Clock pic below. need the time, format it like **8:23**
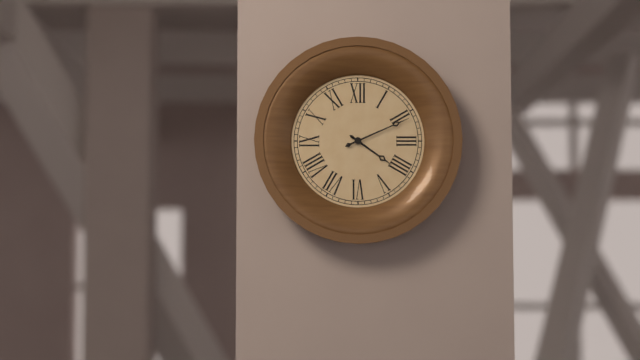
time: **4:11**
